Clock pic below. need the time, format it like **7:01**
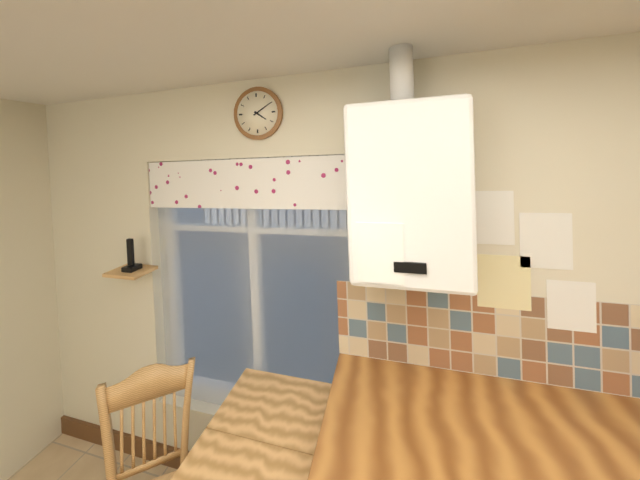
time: **4:10**
